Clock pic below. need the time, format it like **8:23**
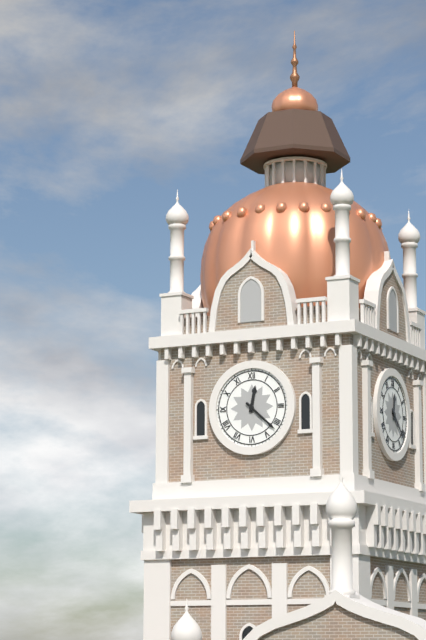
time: **12:22**
